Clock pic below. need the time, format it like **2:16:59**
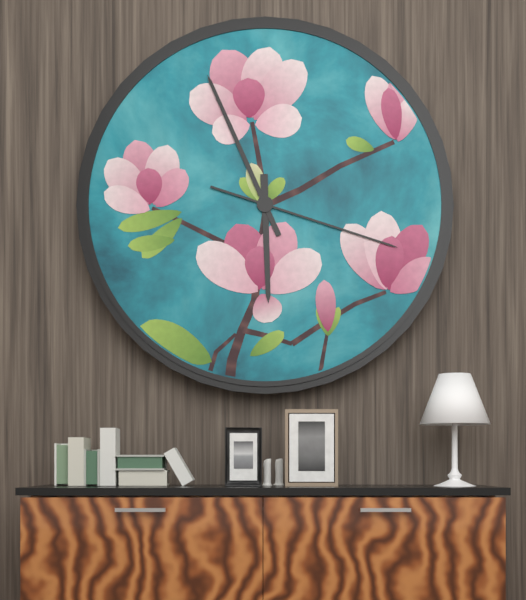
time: **5:56:18**
